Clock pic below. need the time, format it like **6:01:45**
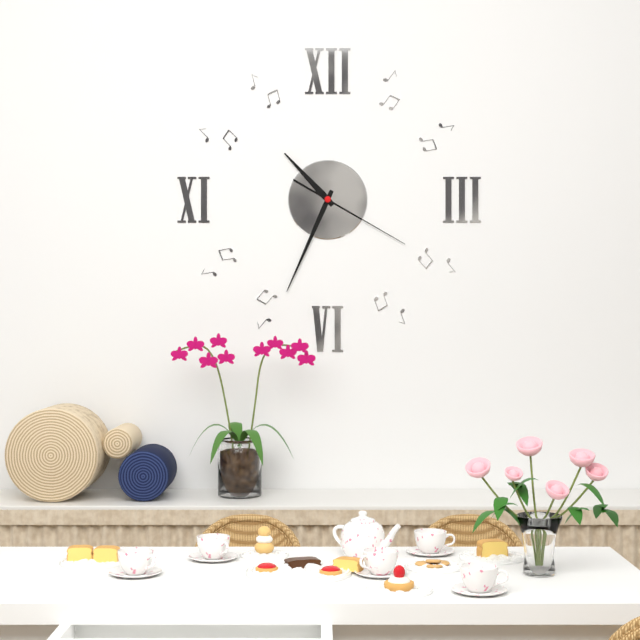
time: **10:34:20**
